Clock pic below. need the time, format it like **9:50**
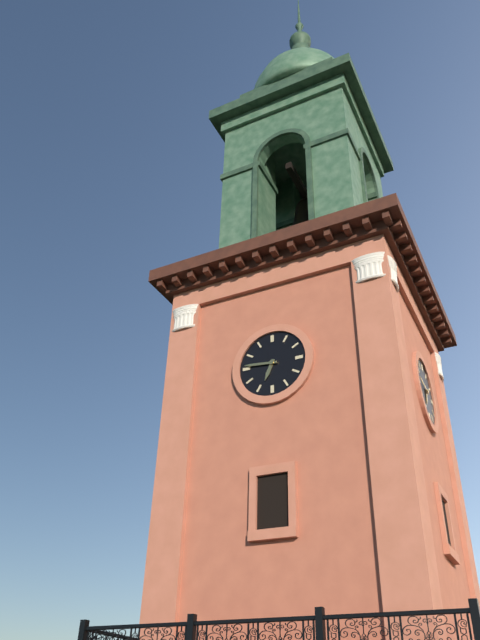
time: **6:46**
